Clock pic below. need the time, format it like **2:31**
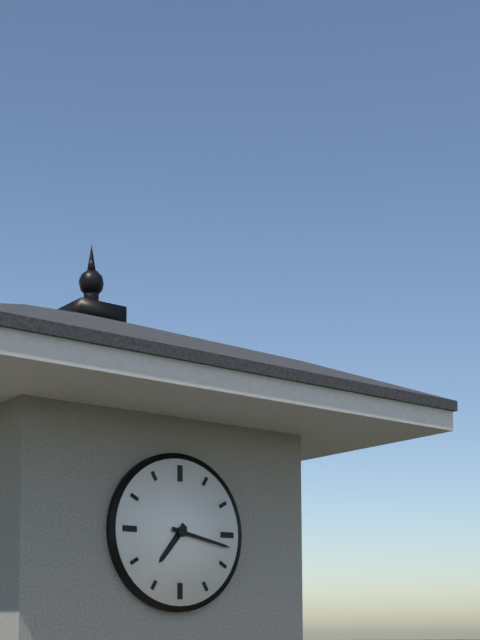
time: **7:17**
